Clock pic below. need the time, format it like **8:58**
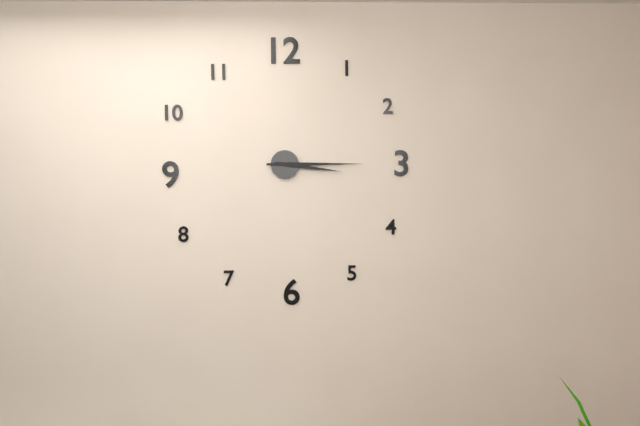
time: **3:15**
